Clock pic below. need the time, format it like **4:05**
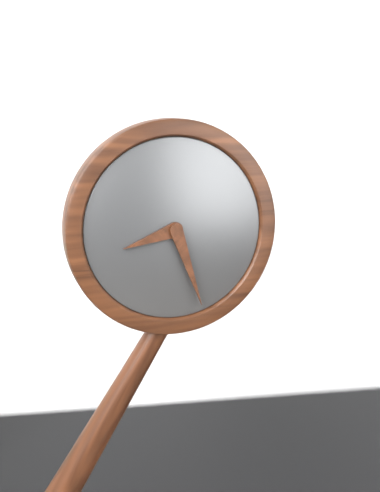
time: **8:27**
